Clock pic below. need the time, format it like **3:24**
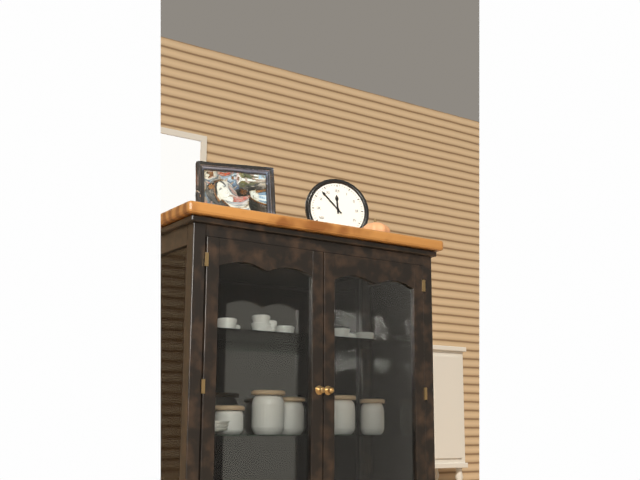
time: **11:53**
